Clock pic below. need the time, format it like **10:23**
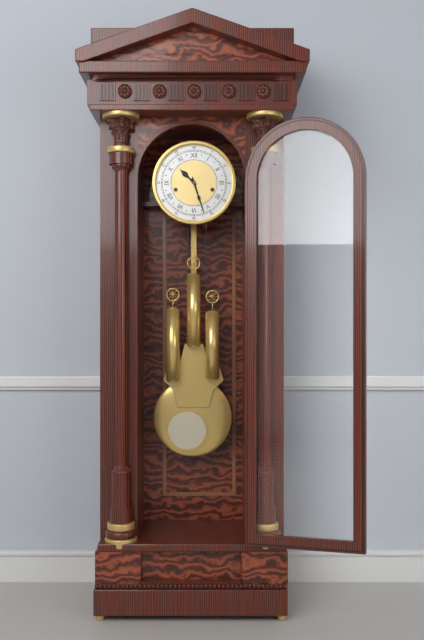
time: **10:27**
